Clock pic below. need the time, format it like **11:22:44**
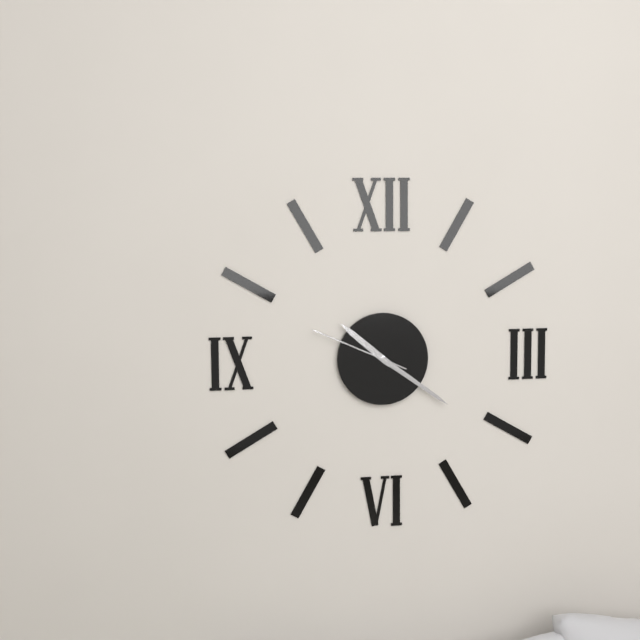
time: **10:21:49**
